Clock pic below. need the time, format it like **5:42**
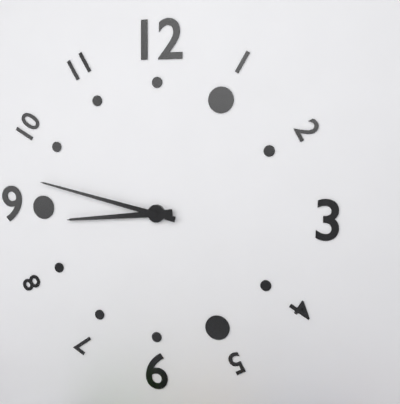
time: **8:47**
